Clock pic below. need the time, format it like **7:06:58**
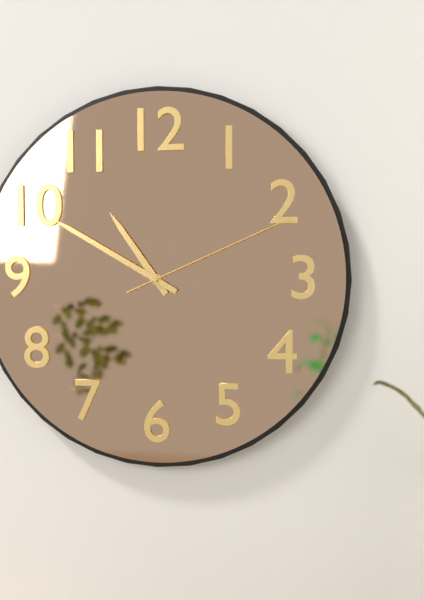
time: **10:50:11**
